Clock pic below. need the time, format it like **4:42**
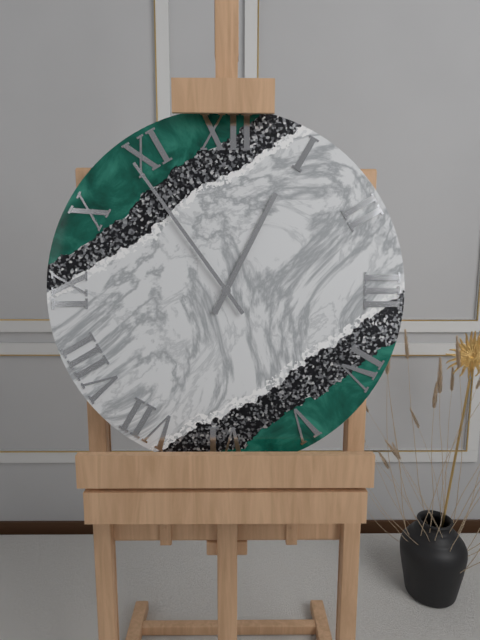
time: **12:54**
